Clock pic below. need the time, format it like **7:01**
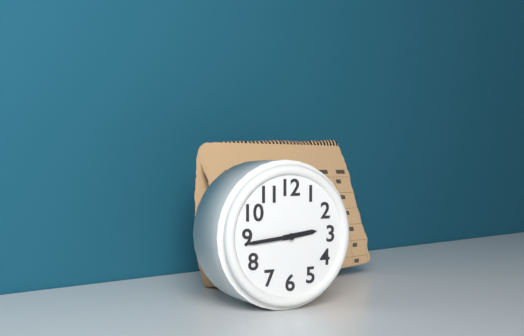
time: **2:44**
